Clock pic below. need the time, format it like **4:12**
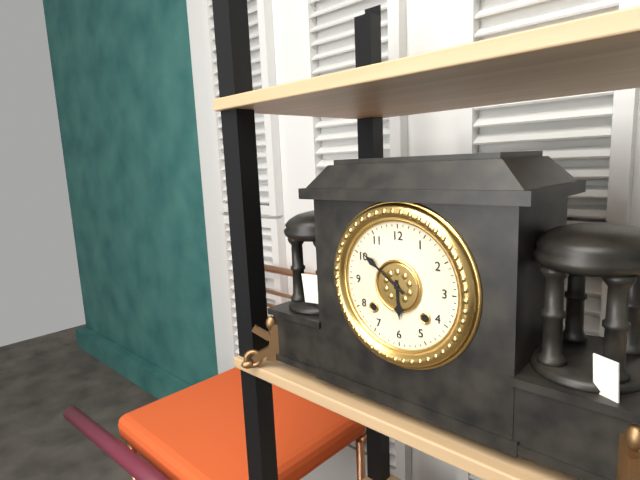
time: **5:51**
